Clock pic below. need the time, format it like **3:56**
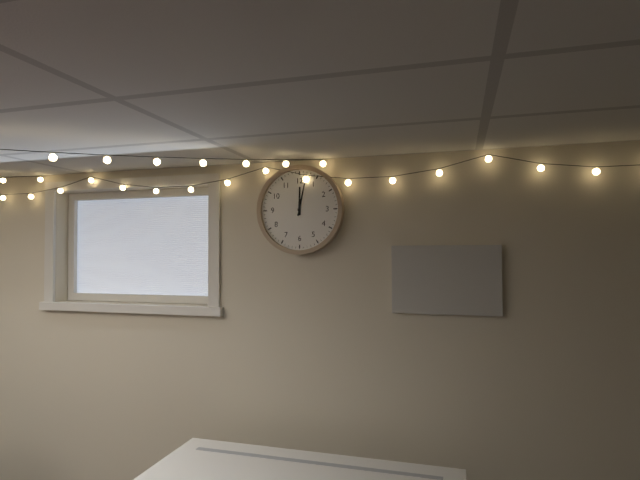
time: **12:02**
